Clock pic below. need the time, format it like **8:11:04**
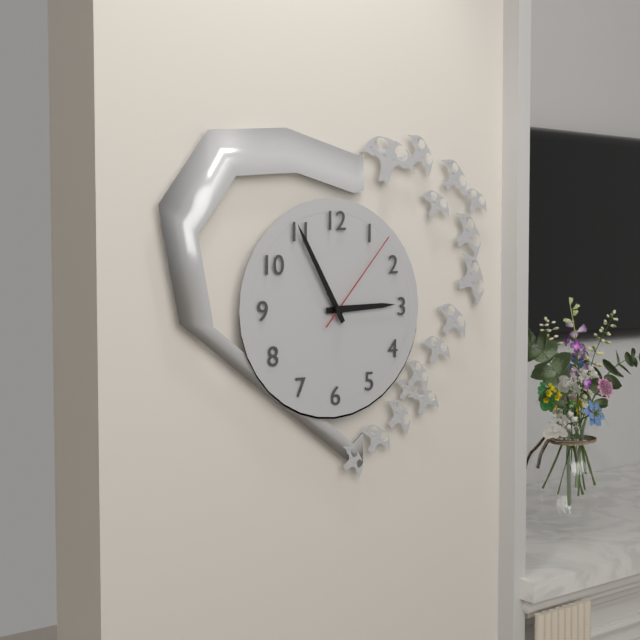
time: **2:55:07**
